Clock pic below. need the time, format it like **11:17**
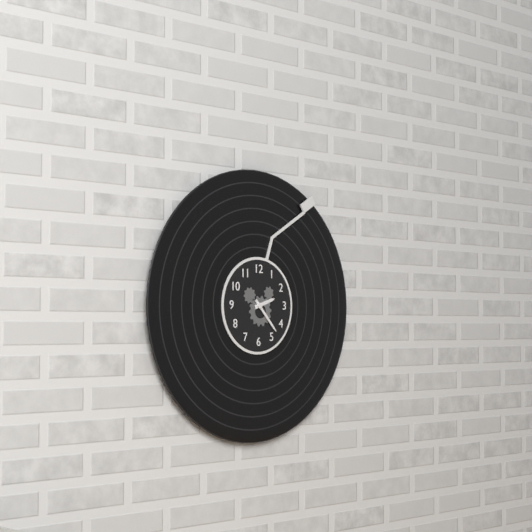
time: **2:23**
